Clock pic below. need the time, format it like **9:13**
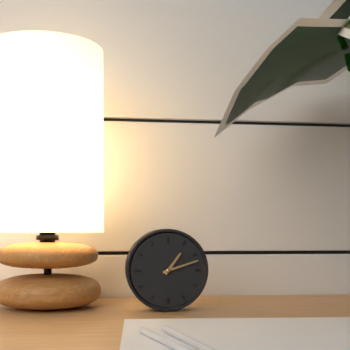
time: **1:12**
